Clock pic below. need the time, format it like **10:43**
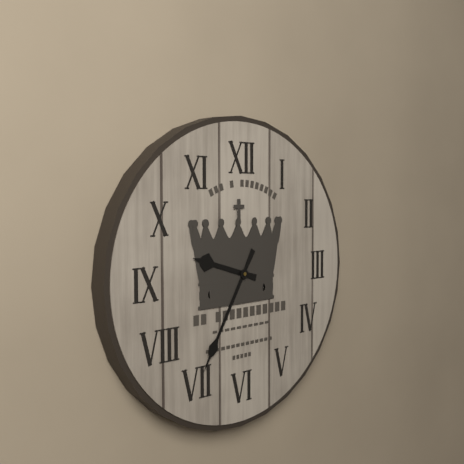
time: **9:35**
